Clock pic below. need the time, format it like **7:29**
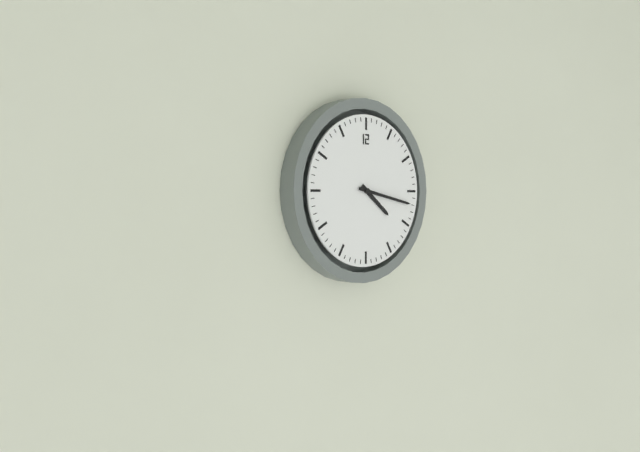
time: **4:17**
